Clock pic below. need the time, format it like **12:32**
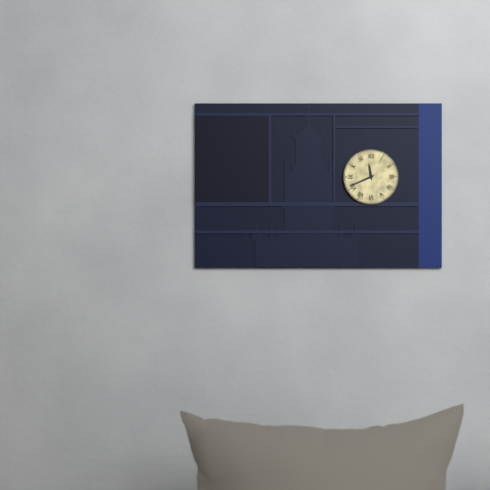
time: **11:41**
